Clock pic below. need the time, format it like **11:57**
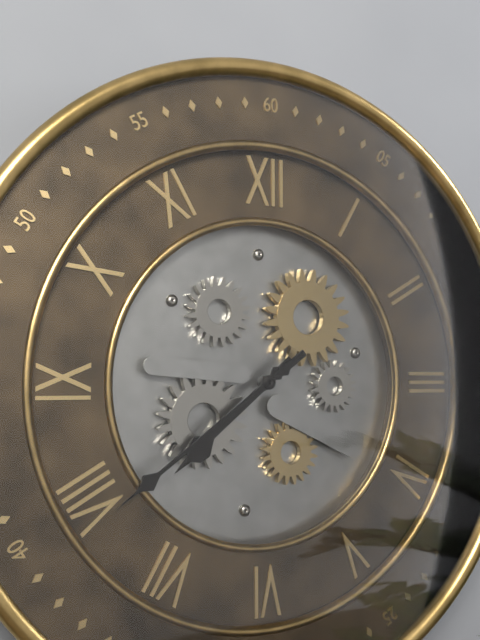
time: **7:39**
